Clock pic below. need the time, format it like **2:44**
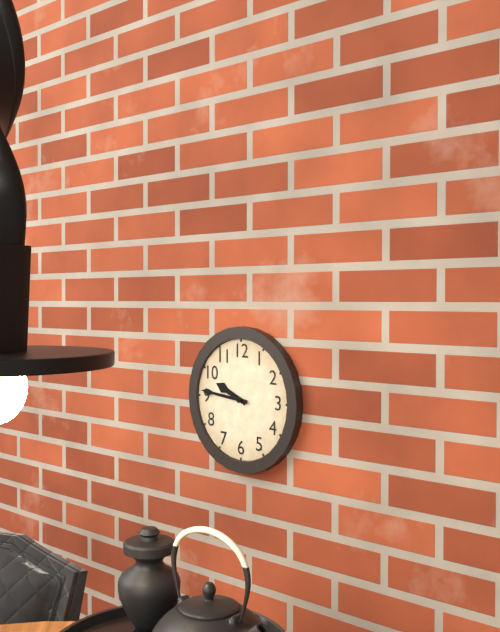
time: **9:46**
